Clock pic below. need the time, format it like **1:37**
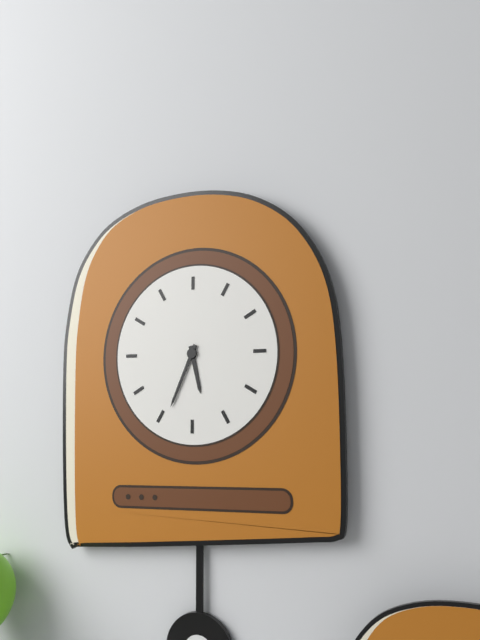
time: **5:34**
